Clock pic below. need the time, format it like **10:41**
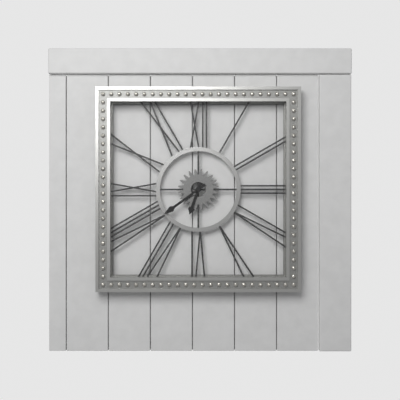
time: **6:39**
